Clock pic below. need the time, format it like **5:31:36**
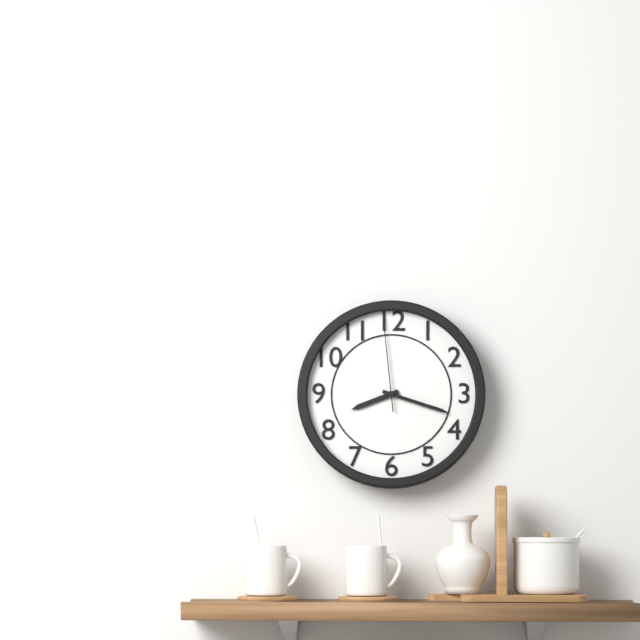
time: **8:18:59**
